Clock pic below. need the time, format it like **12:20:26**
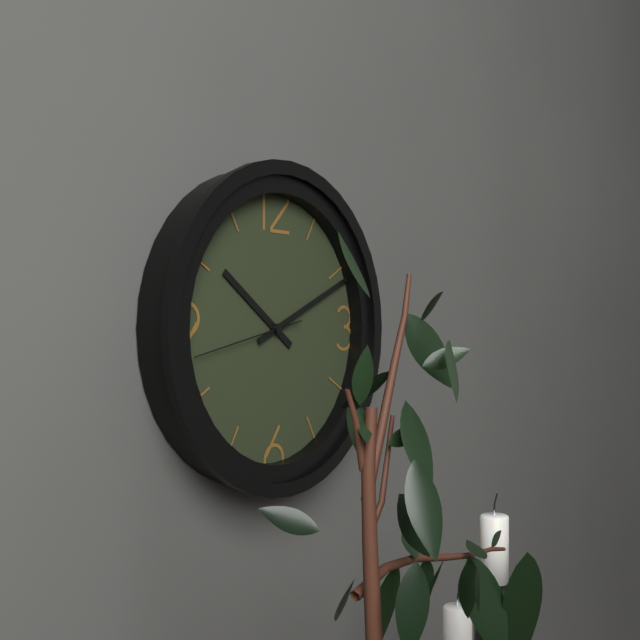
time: **10:11:43**
